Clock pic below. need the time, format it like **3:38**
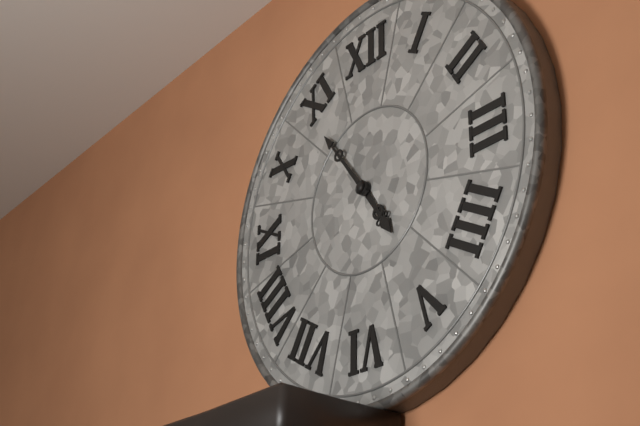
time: **4:54**
